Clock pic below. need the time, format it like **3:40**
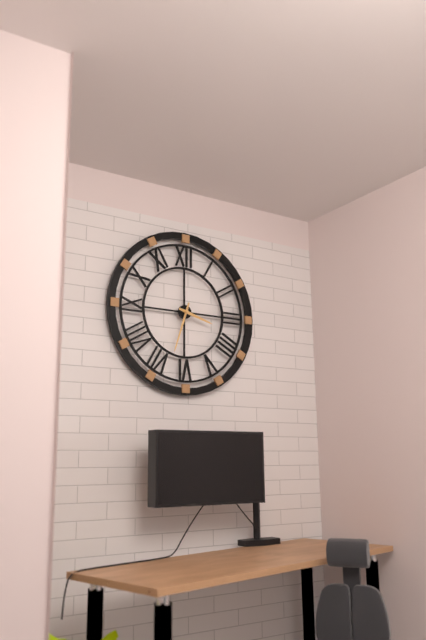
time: **3:33**
